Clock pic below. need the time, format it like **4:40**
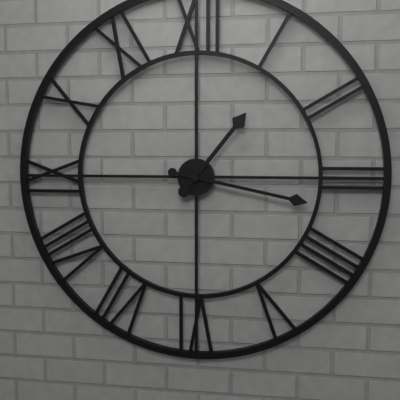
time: **1:17**
